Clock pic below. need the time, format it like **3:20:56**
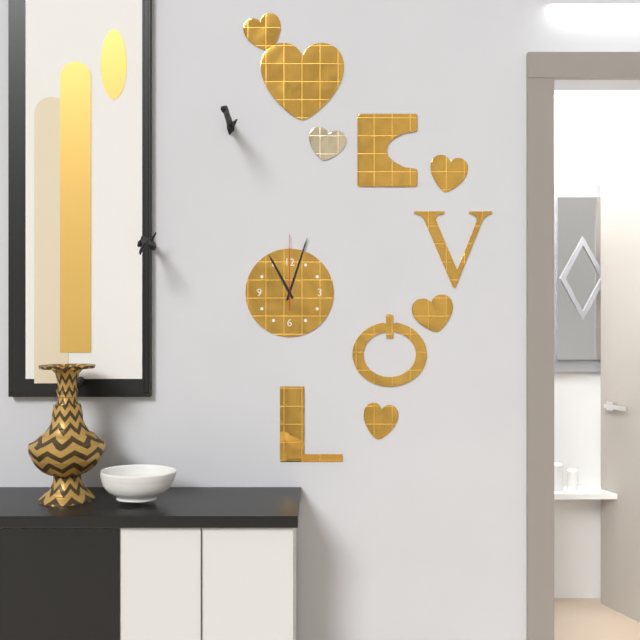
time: **11:03:00**
